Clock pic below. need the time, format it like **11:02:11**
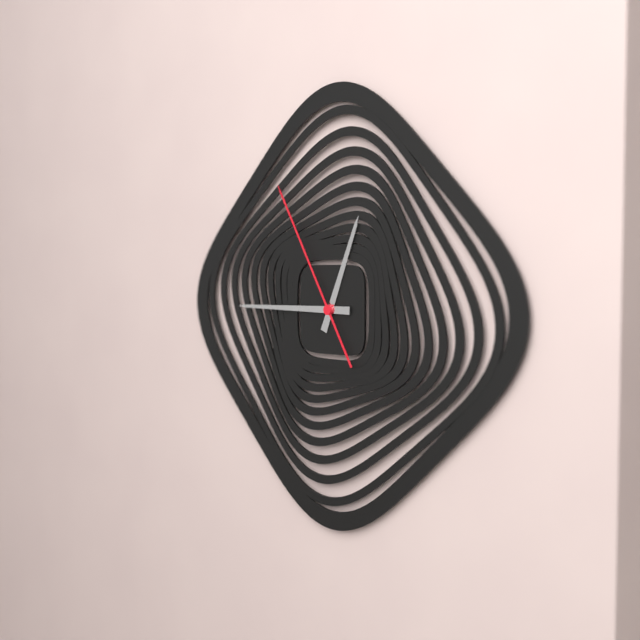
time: **12:45:55**
